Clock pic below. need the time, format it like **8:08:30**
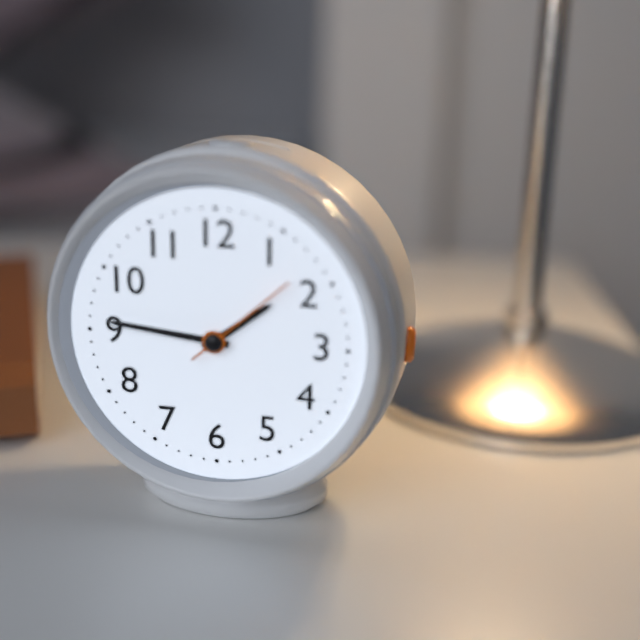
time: **1:46:08**
